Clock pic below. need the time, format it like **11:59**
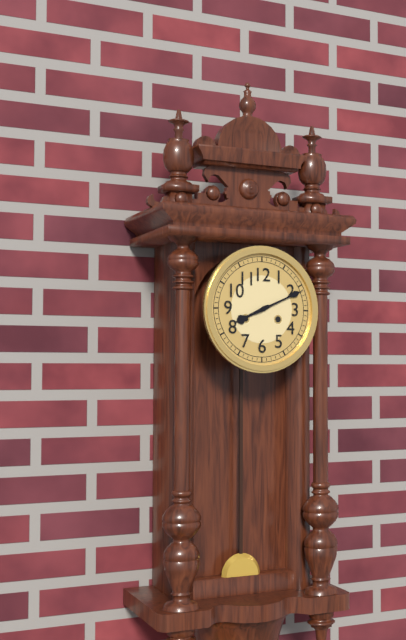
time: **8:11**
